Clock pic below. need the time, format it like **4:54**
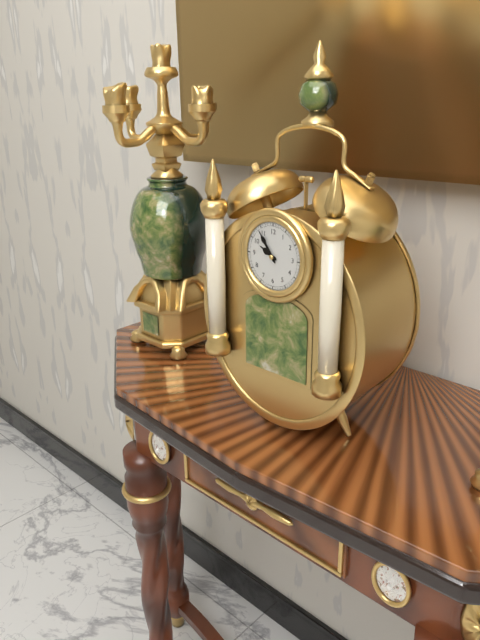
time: **9:54**
